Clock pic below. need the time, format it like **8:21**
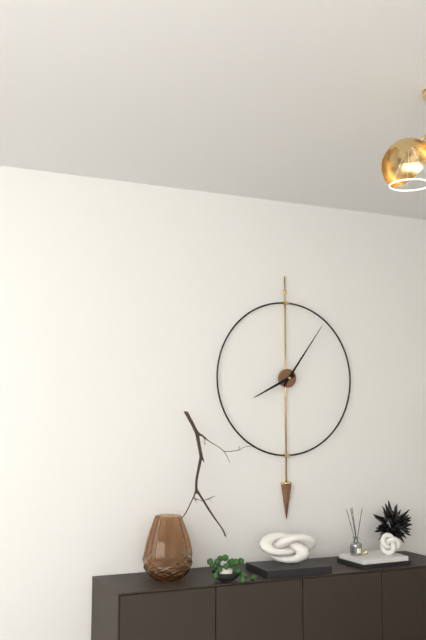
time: **8:06**
